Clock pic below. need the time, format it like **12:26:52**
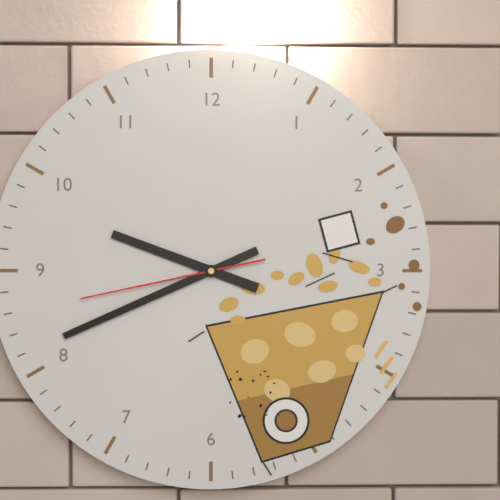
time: **9:41:43**
